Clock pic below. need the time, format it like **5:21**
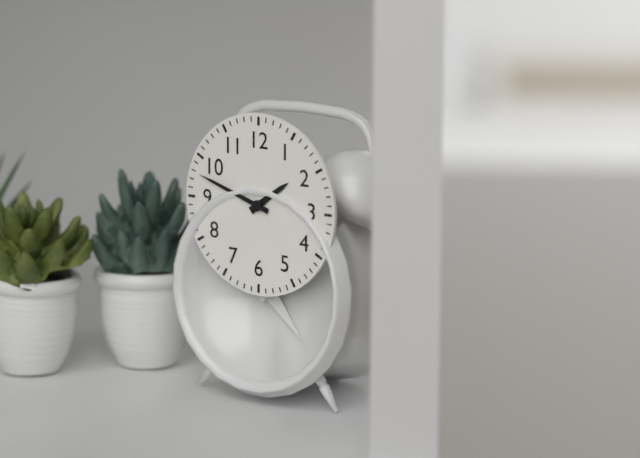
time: **1:48**
